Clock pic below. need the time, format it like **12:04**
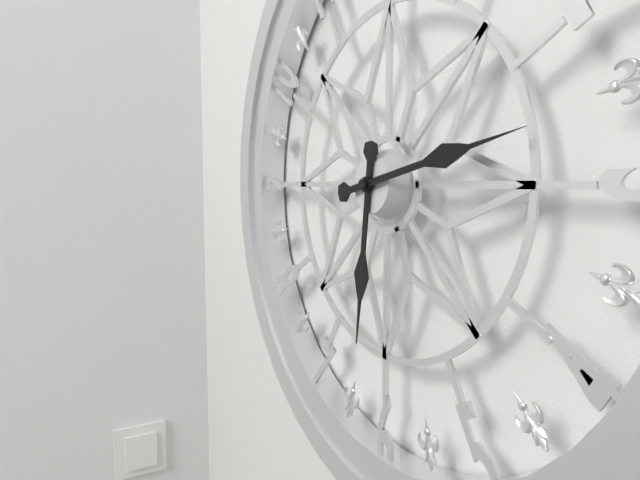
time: **6:13**
